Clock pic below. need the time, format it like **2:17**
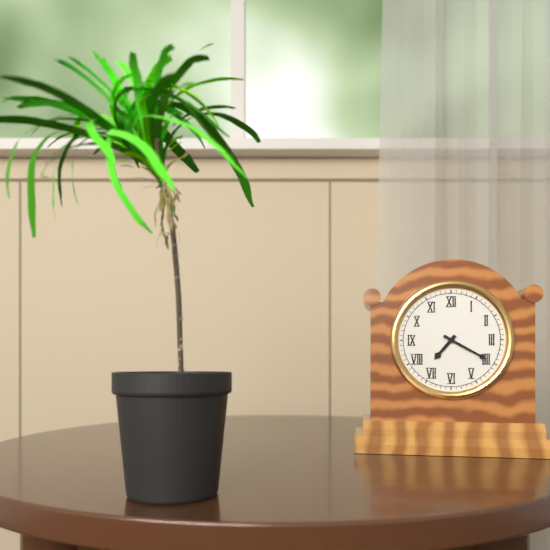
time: **7:20**
